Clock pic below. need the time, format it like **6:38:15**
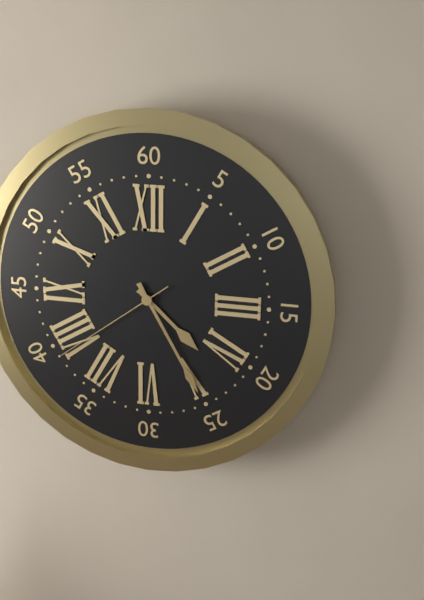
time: **4:25:39**
